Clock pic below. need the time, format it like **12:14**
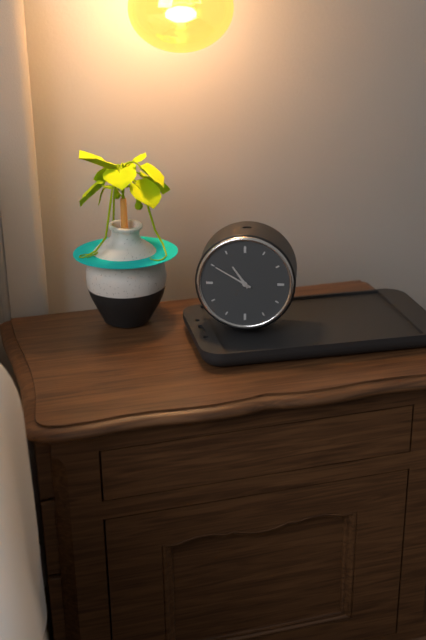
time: **10:50**
